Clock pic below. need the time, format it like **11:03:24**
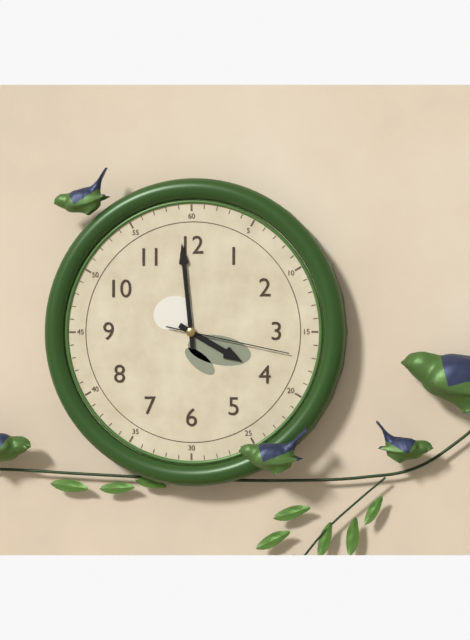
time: **3:59:17**
